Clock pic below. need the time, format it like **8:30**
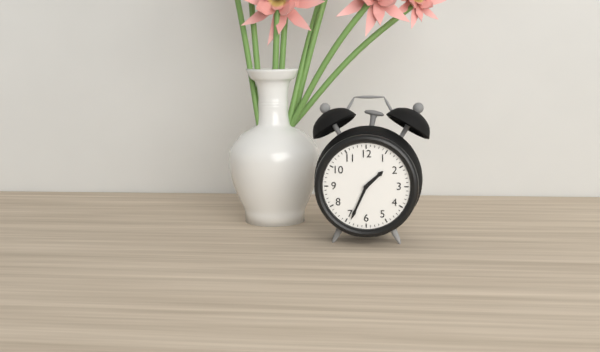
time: **1:34**
